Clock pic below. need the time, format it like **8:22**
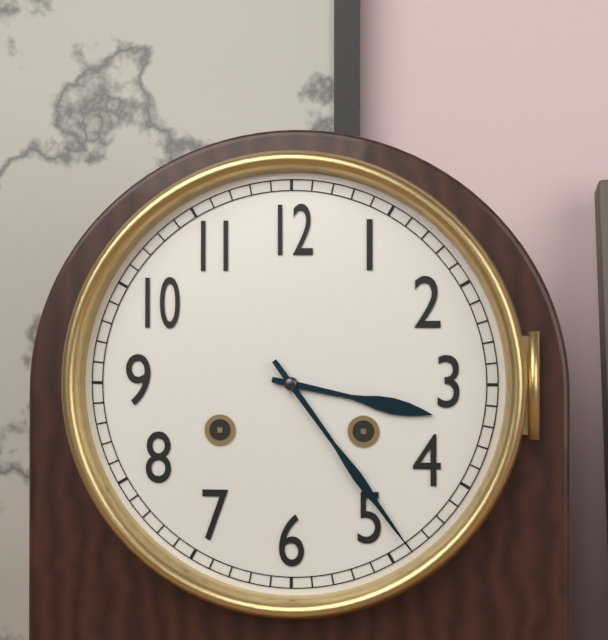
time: **3:24**
